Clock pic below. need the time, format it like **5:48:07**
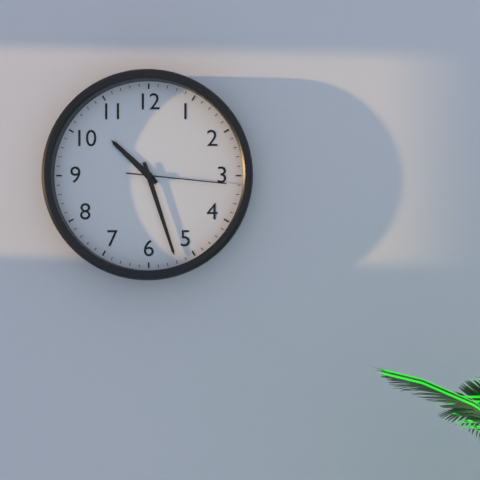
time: **10:27:16**
